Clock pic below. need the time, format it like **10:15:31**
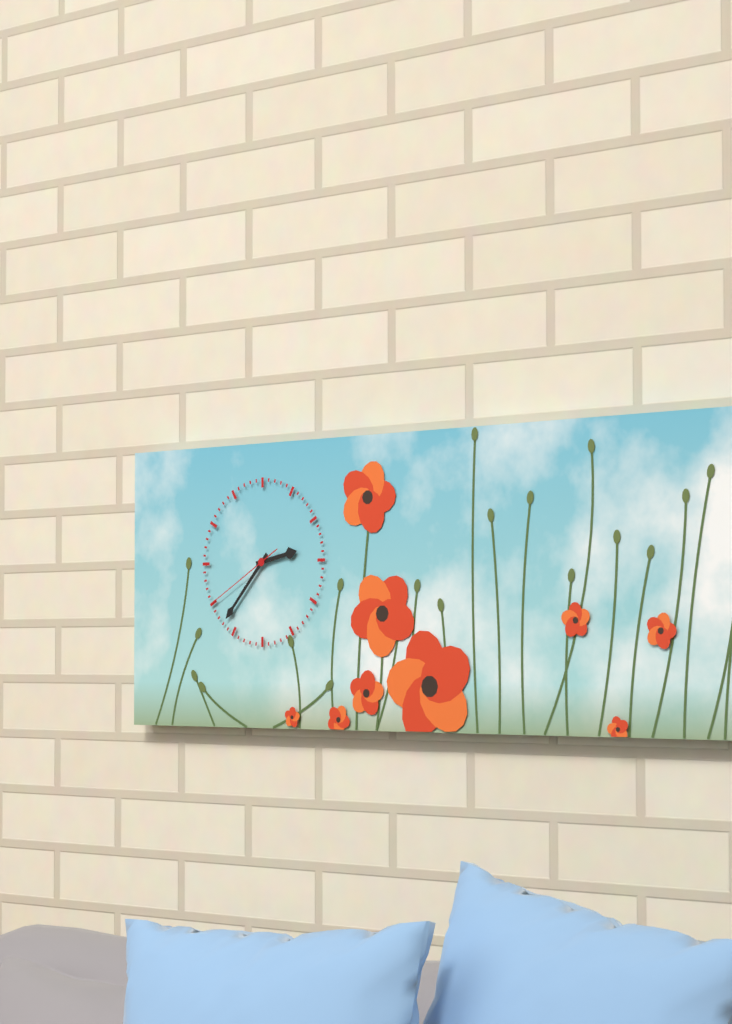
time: **2:37:40**
